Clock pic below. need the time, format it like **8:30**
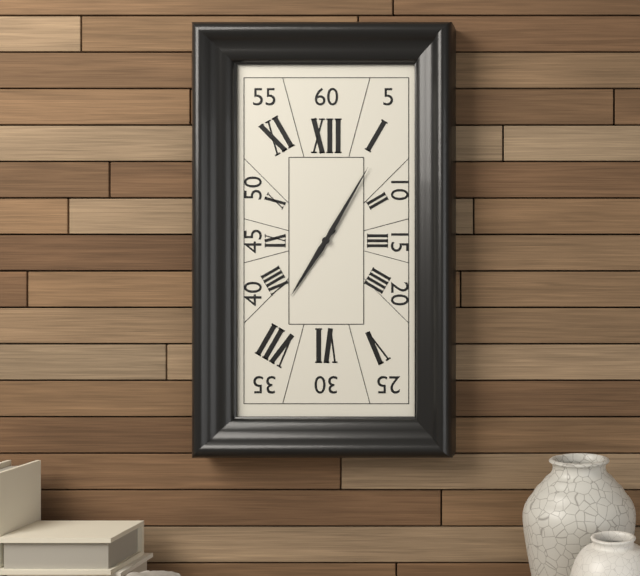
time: **7:05**
